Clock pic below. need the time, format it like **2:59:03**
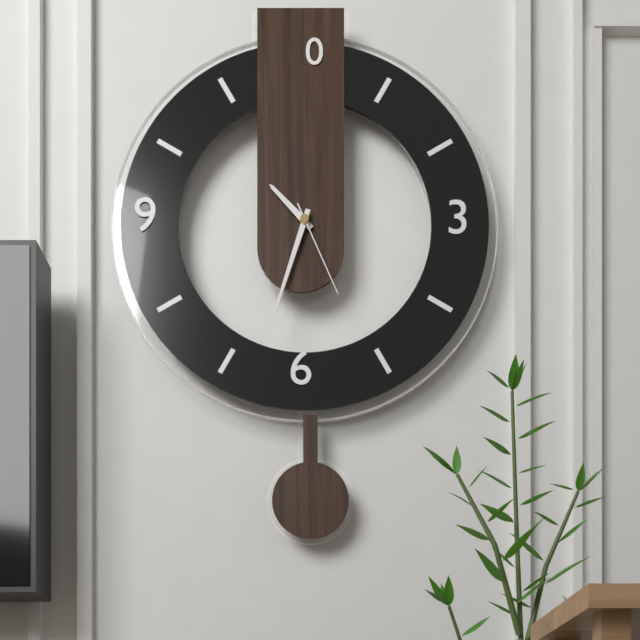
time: **10:33:26**
